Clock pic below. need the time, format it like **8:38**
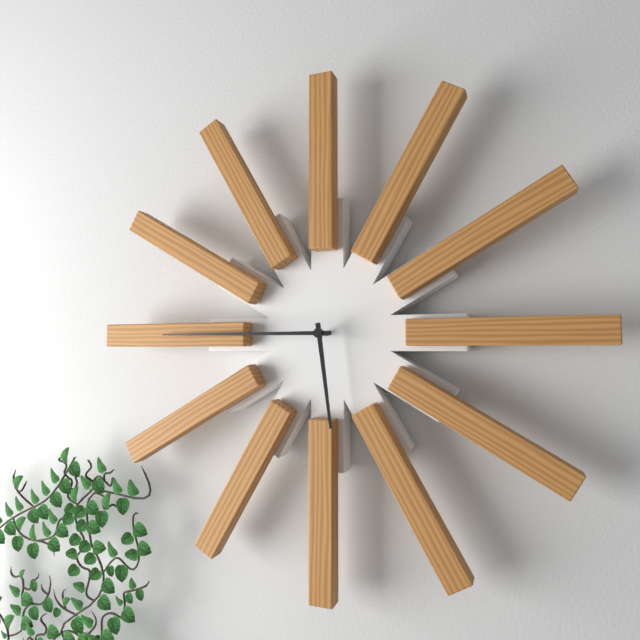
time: **5:45**
